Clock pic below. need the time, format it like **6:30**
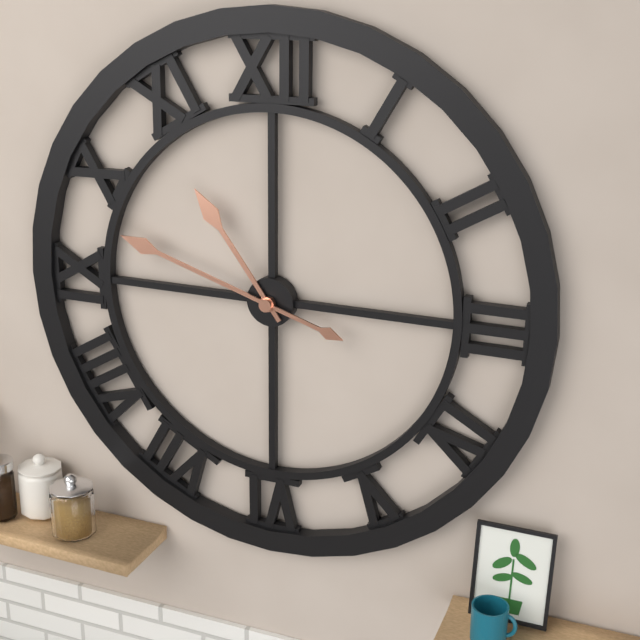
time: **10:48**
